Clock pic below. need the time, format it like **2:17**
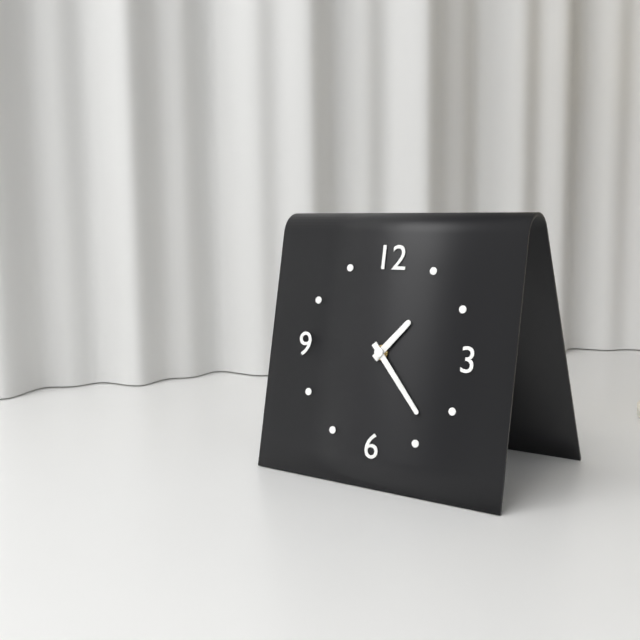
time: **1:23**
